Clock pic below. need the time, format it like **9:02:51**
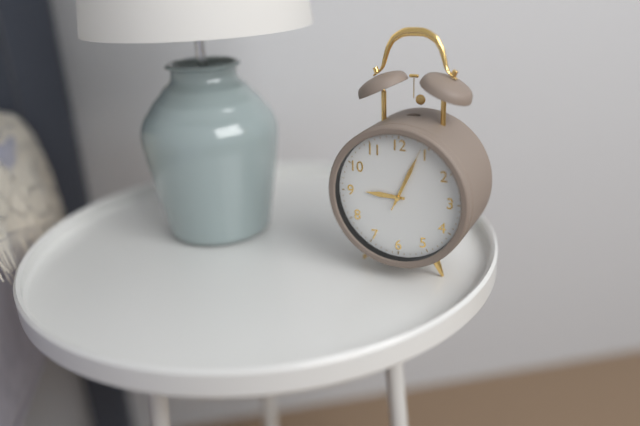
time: **9:04:04**
